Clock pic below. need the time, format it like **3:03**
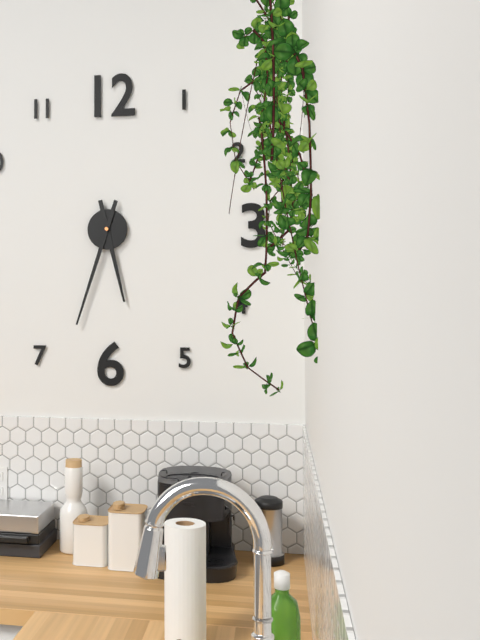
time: **5:33**
